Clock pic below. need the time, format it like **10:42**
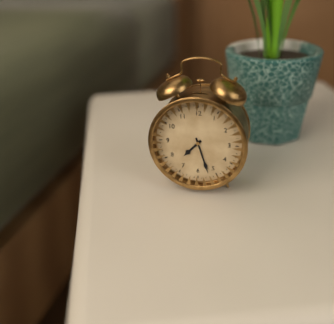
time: **7:27**
